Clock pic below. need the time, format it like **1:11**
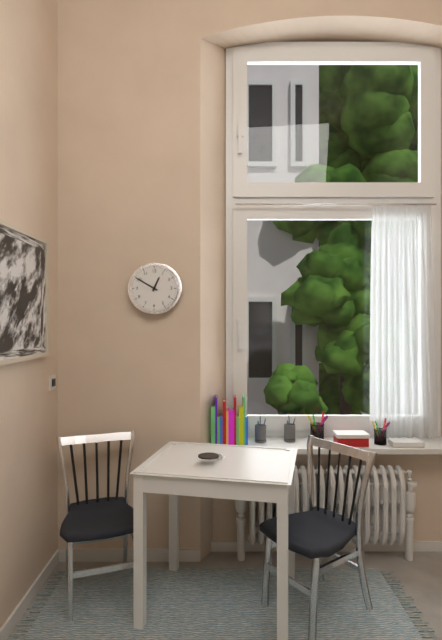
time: **12:50**
